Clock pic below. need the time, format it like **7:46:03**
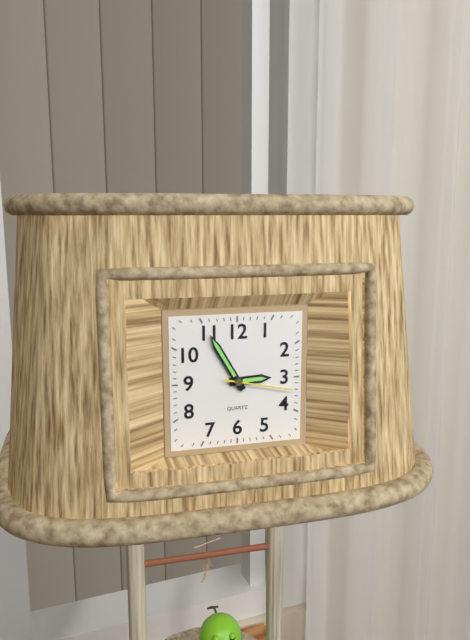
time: **2:55:17**
